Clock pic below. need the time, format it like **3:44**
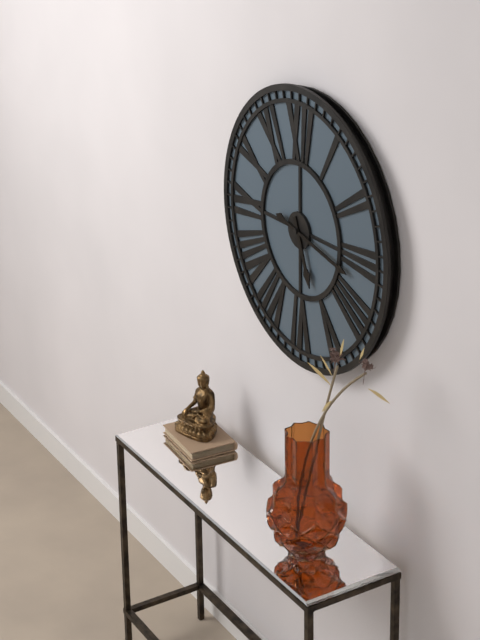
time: **5:17**
